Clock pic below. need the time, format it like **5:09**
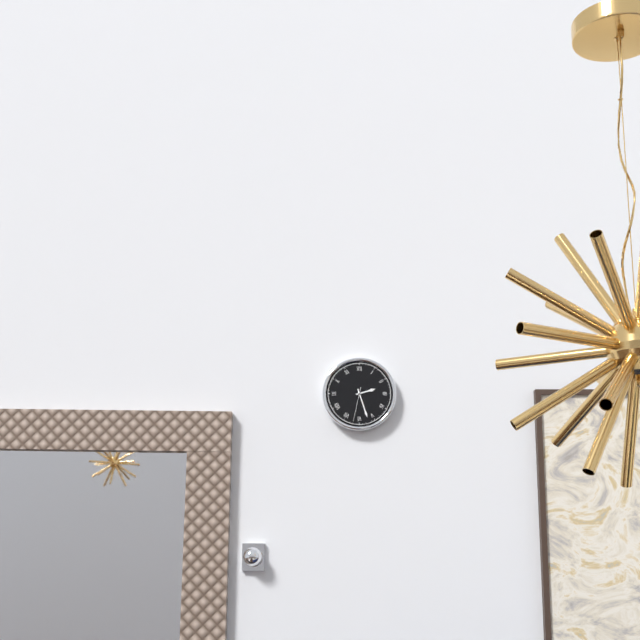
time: **2:27**
